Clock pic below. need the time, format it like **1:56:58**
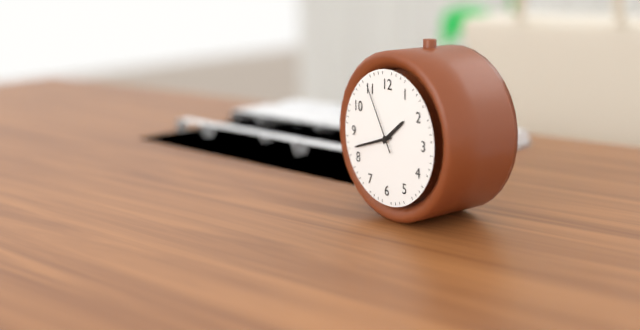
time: **1:42:55**
